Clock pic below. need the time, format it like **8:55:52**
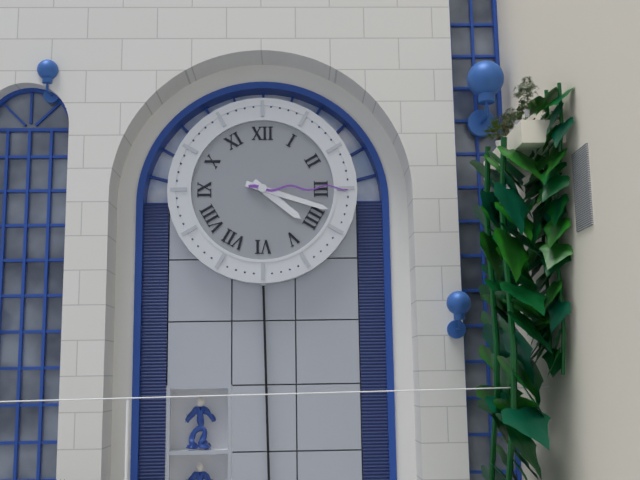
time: **4:18:15**
